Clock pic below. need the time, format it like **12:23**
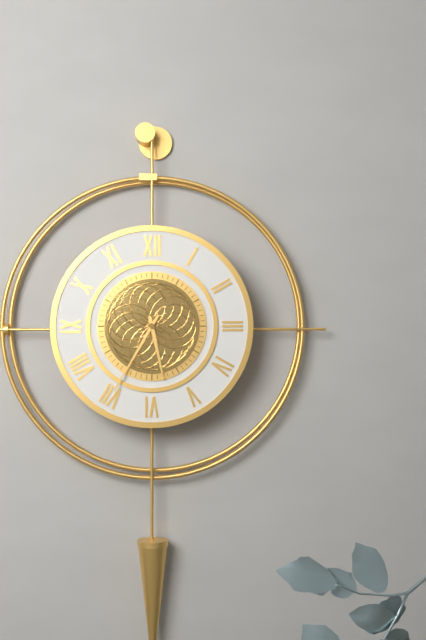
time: **5:35**
